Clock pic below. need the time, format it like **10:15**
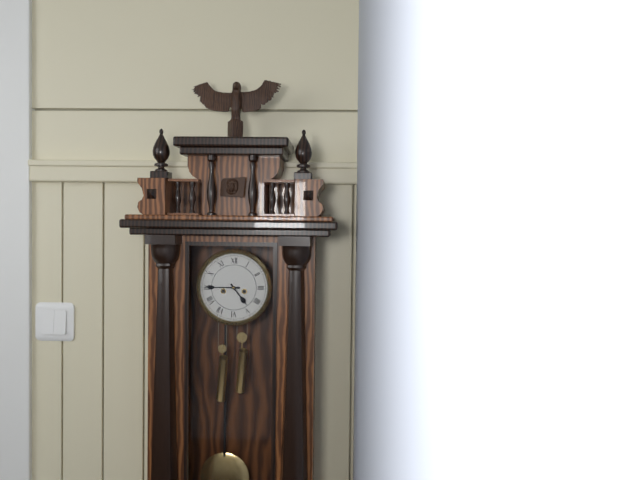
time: **4:45**
